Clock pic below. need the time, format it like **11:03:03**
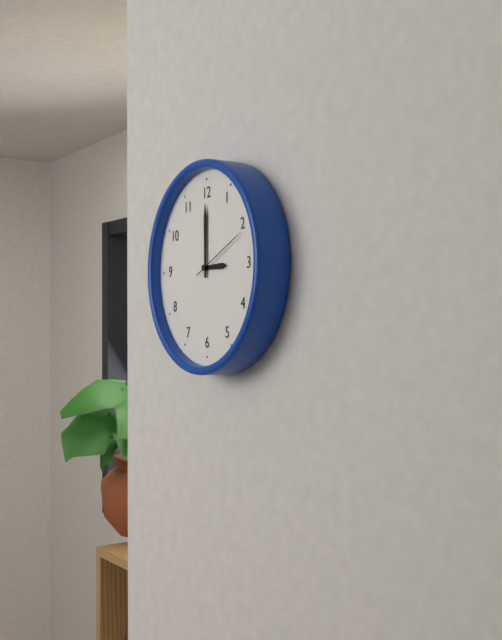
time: **3:00:11**
